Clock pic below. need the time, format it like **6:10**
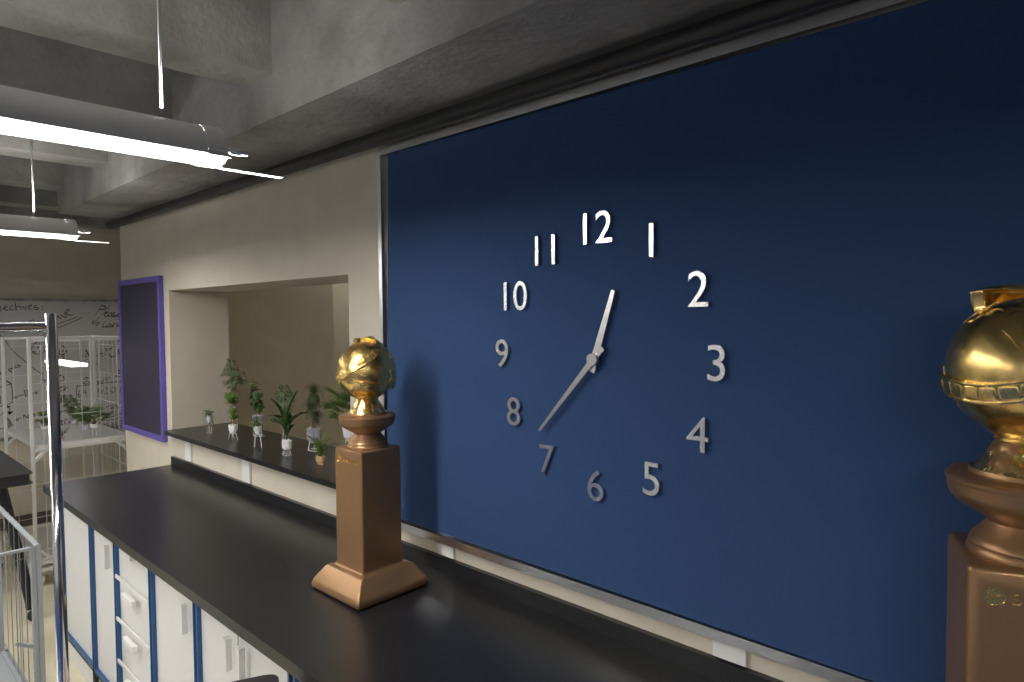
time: **12:37**
